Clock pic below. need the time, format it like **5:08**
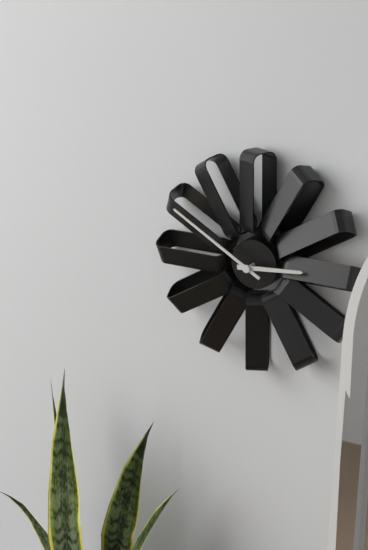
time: **2:50**
